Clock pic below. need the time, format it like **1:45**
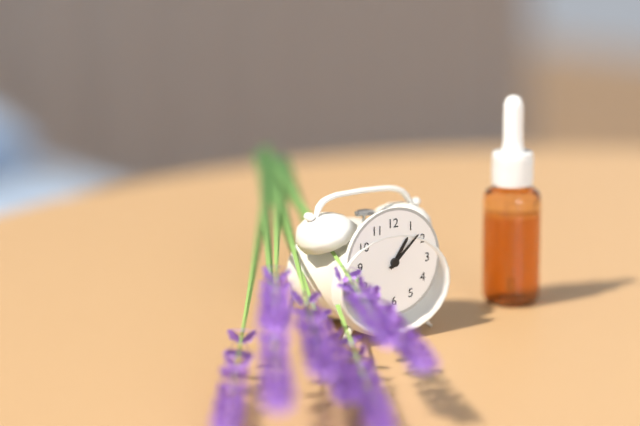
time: **1:08**
